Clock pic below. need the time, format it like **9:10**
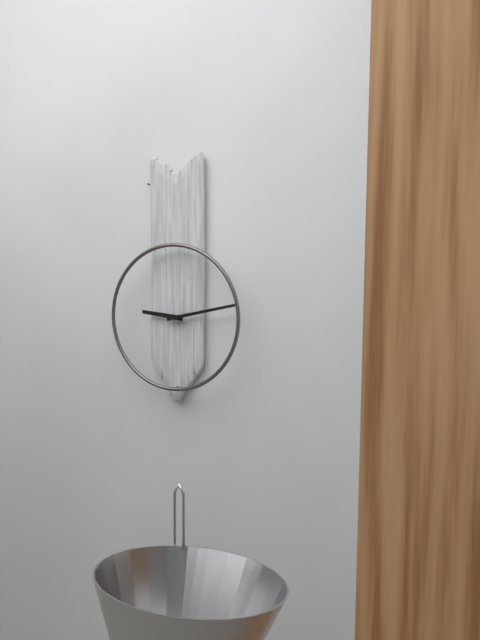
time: **9:13**
